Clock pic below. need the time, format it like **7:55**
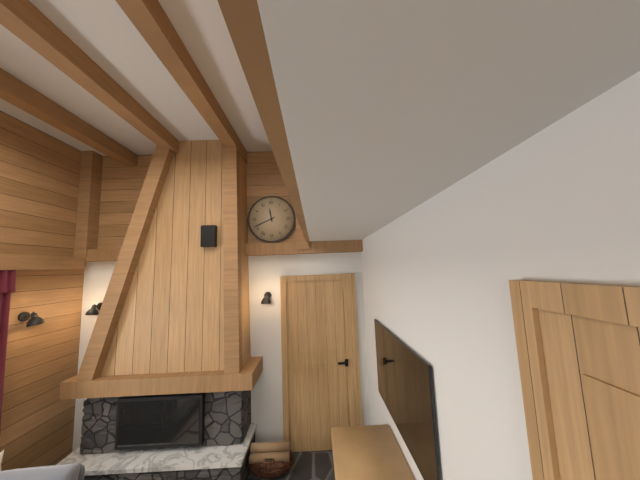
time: **11:41**
